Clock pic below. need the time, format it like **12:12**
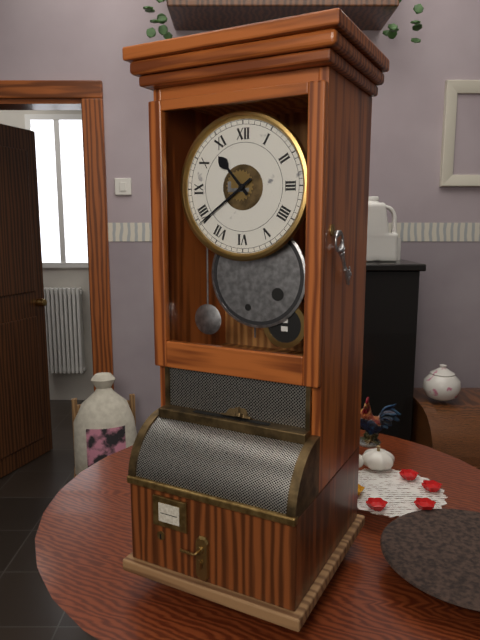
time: **10:39**
